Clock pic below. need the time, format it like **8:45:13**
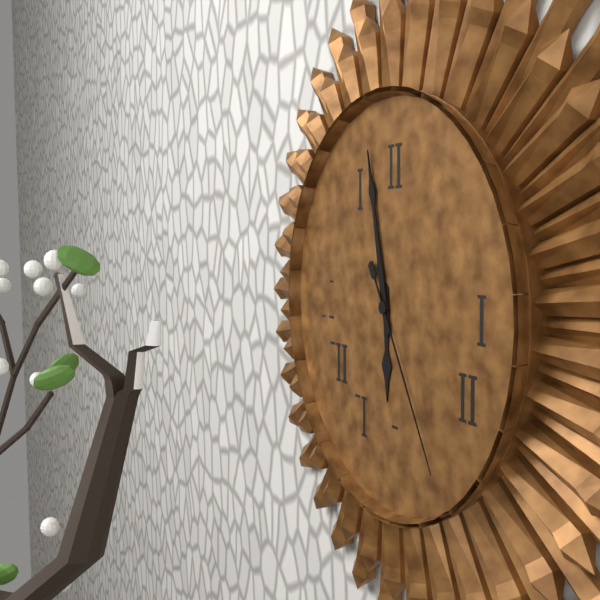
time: **5:58:25**
